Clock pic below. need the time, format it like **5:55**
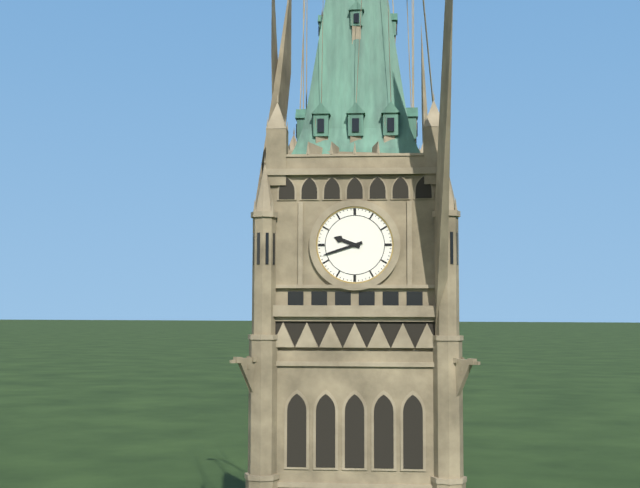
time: **9:42**
